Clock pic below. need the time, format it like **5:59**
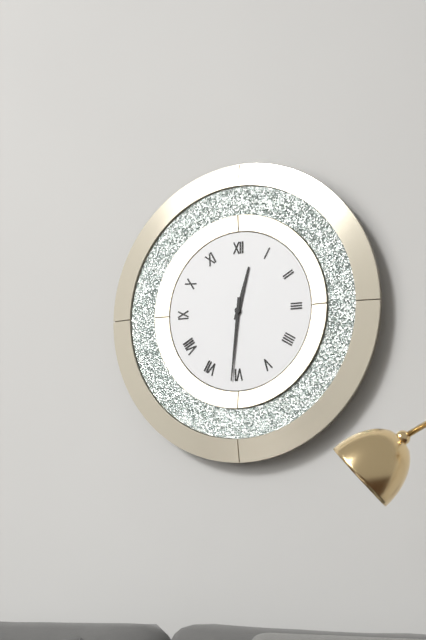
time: **12:31**
